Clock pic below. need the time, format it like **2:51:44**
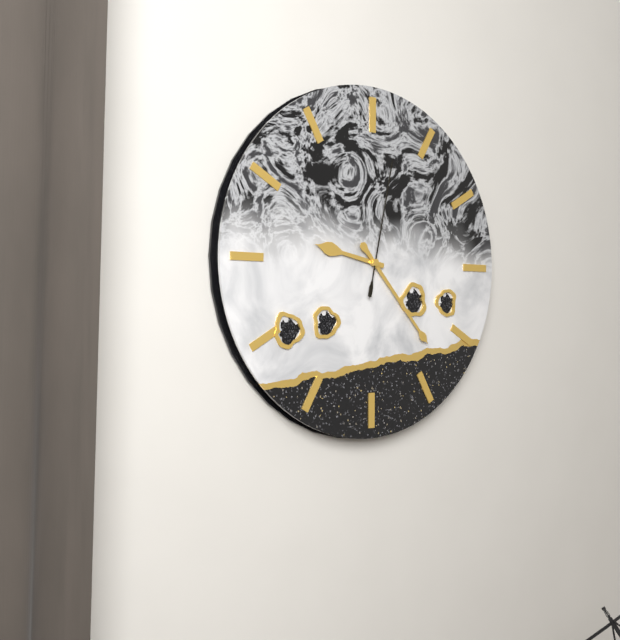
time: **9:23:02**
